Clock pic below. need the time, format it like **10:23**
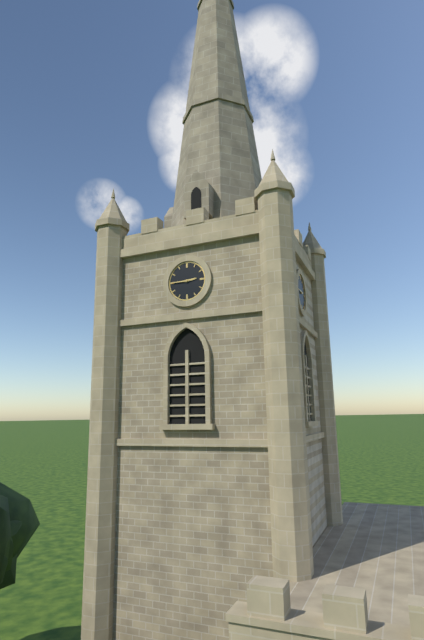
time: **2:45**
